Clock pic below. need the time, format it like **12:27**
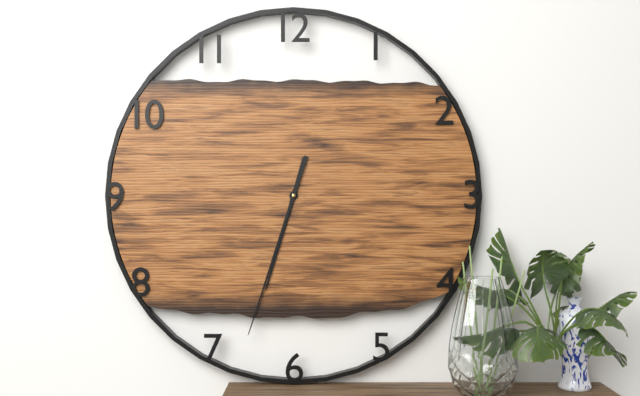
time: **6:33**
